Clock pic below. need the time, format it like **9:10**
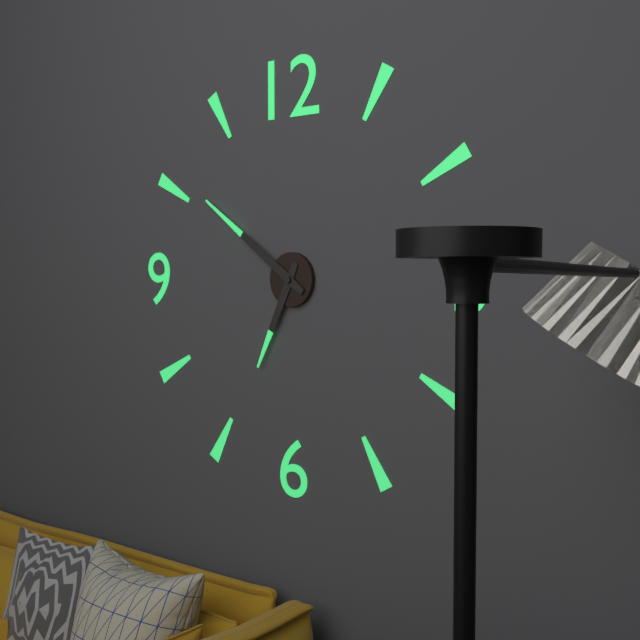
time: **6:51**
